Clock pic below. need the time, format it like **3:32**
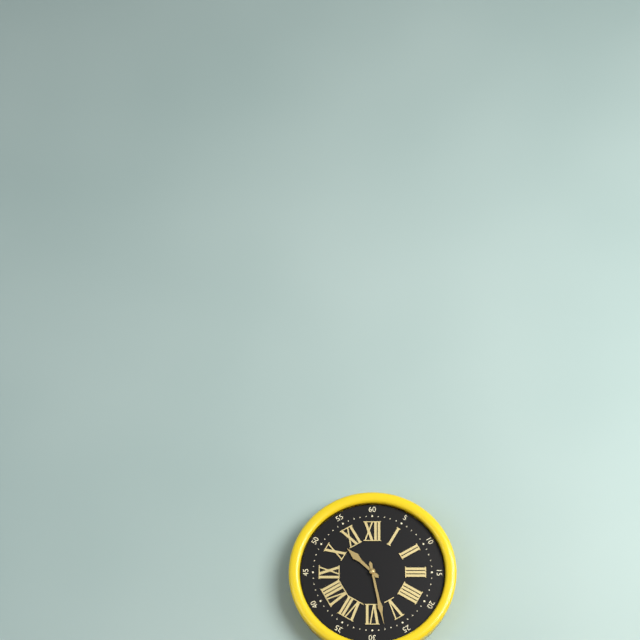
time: **10:28**
